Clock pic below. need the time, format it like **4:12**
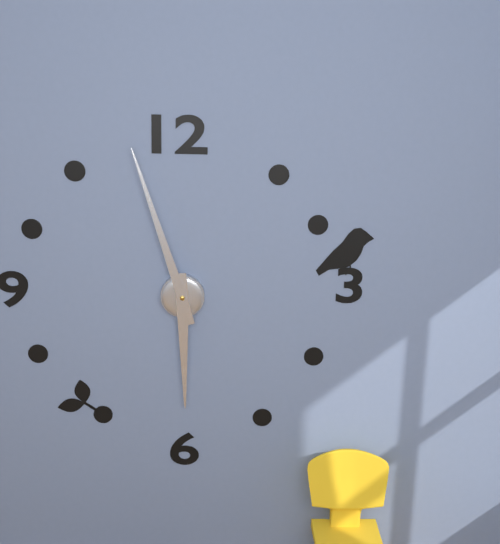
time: **5:57**
